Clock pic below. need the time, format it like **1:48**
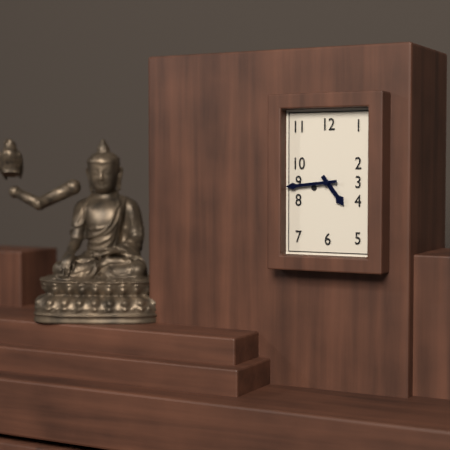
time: **4:44**
